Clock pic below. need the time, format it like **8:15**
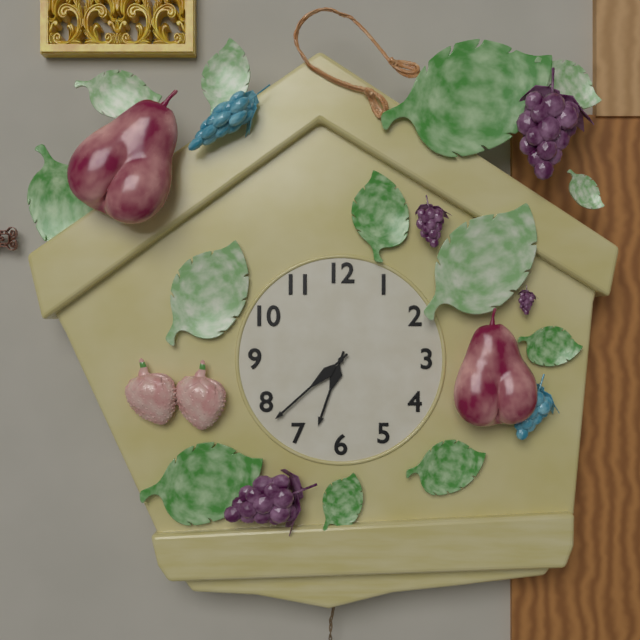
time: **6:38**
